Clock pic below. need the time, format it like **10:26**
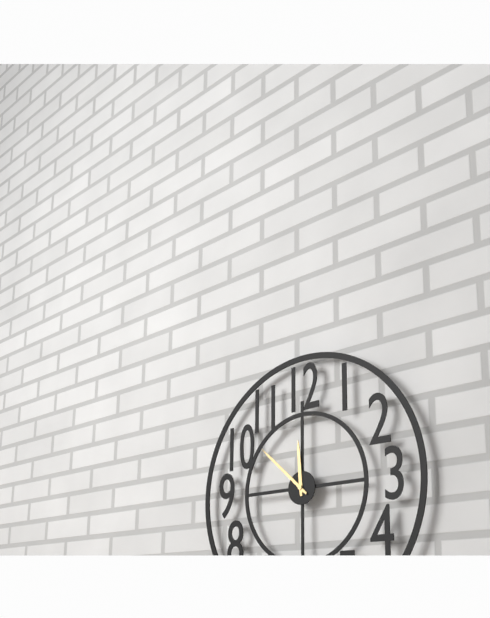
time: **11:52**
